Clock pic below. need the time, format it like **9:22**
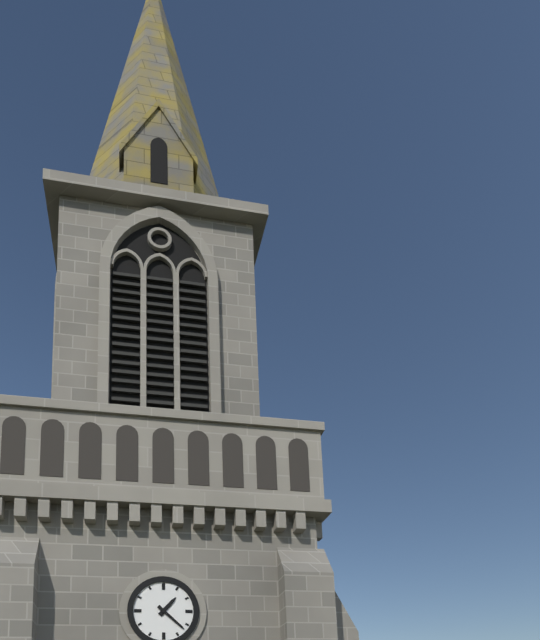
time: **1:22**
